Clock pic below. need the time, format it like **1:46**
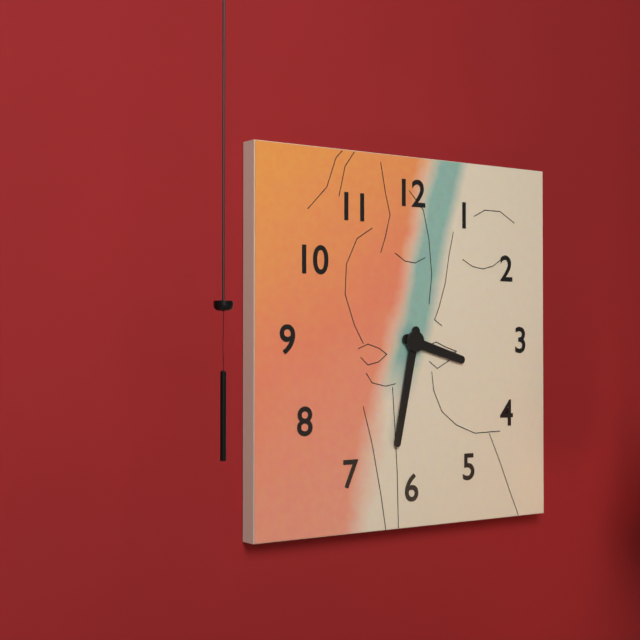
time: **3:32**
